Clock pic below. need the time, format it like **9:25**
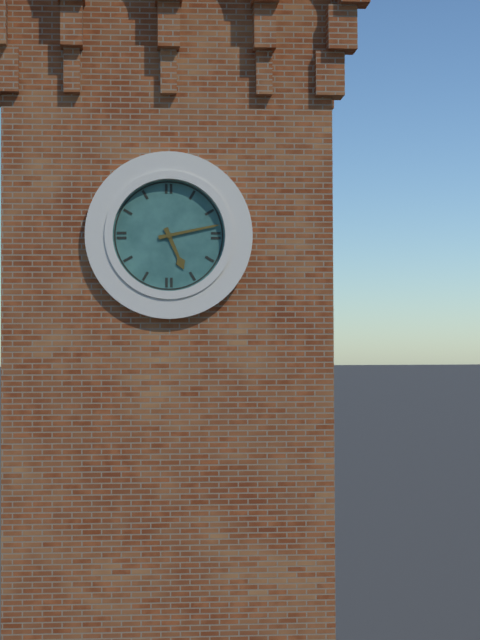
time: **5:13**
